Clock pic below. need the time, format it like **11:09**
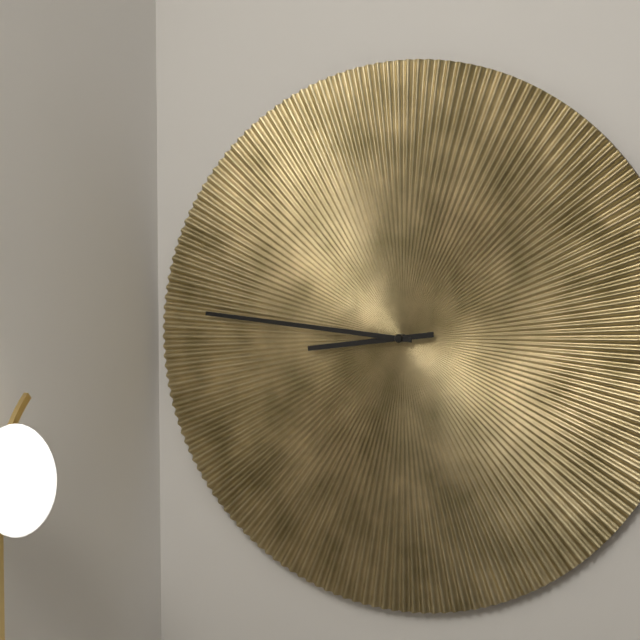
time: **8:46**
